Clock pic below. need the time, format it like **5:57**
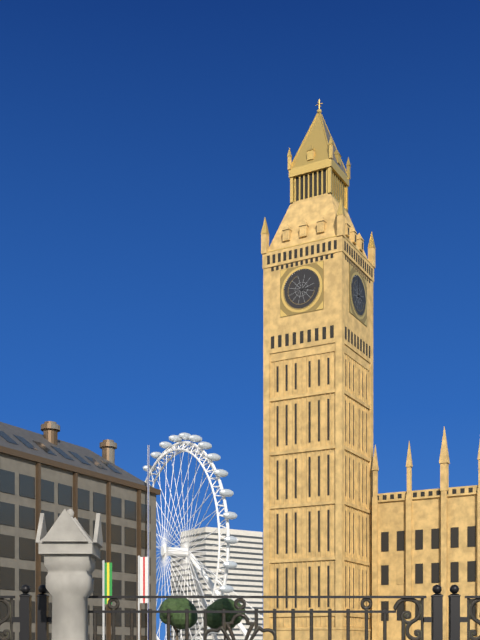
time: **3:00**
